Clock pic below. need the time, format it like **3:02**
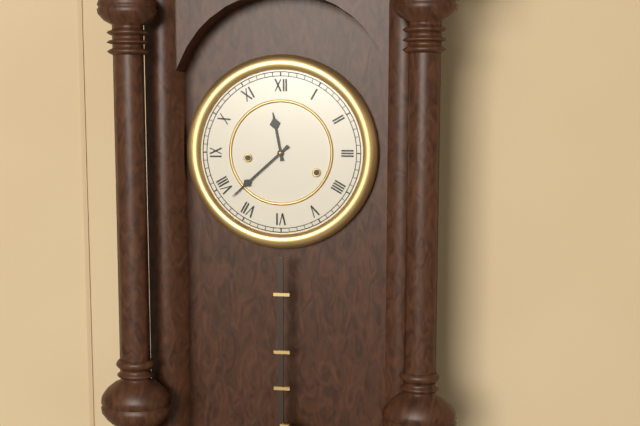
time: **11:38**
